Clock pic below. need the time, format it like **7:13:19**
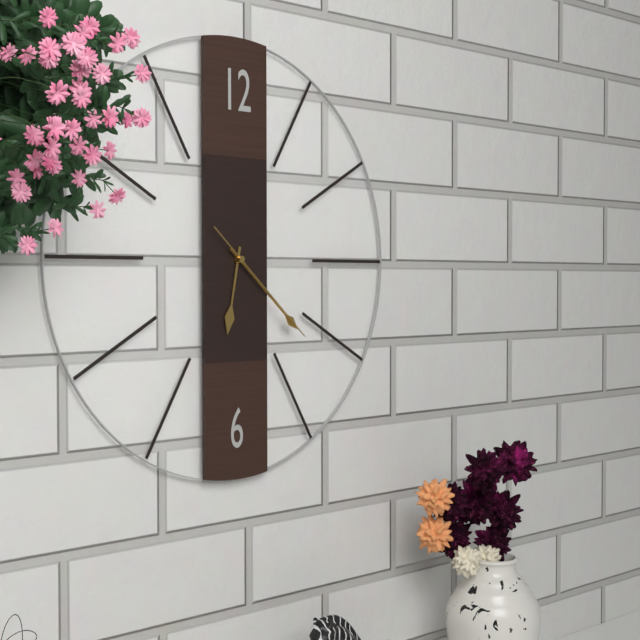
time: **6:22:22**
